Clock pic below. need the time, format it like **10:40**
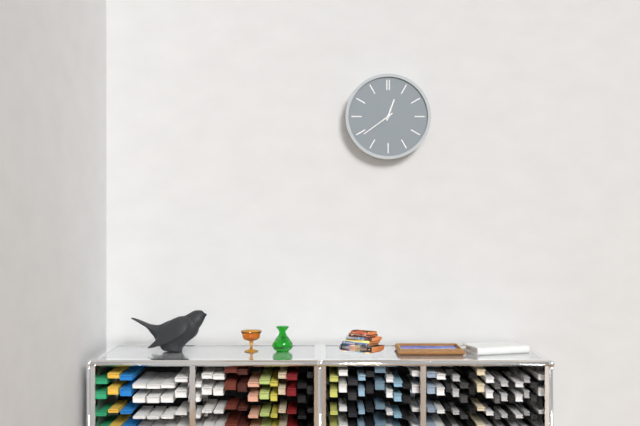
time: **12:39**
